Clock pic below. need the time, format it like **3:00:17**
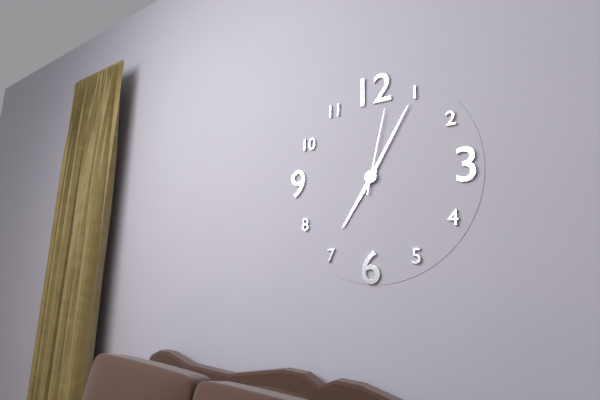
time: **7:05:02**
